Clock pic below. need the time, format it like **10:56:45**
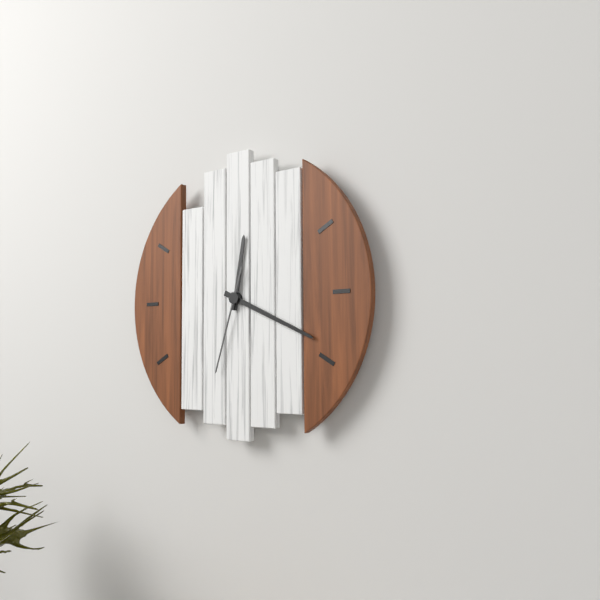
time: **12:19:33**
